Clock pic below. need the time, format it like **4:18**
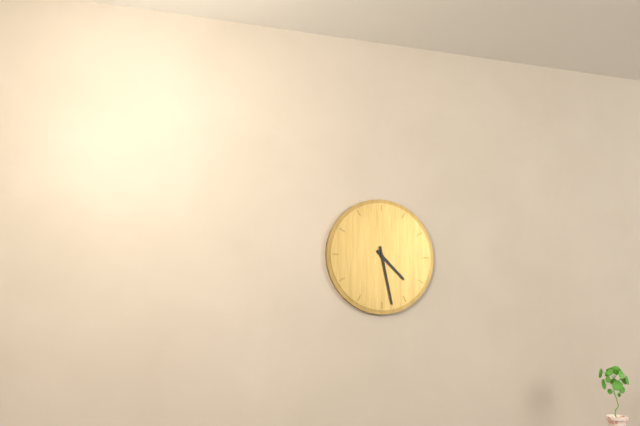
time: **4:28**
